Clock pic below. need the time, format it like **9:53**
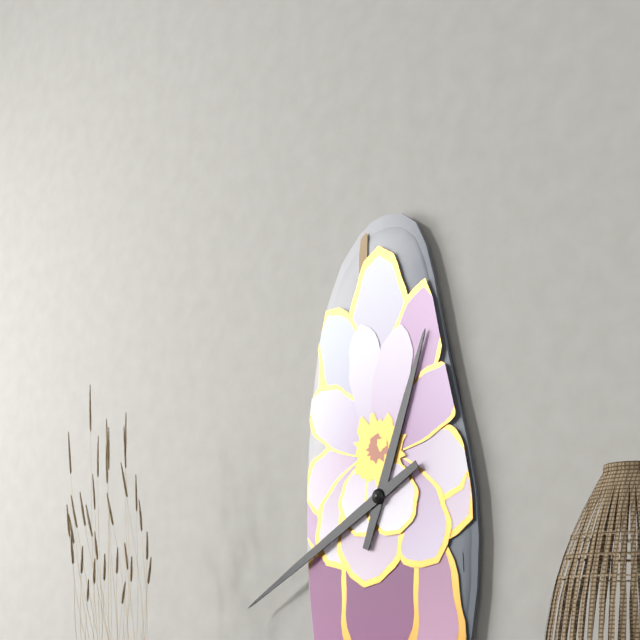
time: **12:40**
